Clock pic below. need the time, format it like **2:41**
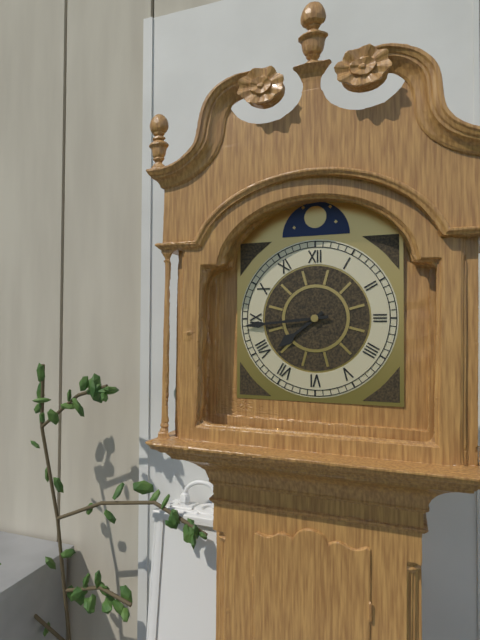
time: **7:44**
